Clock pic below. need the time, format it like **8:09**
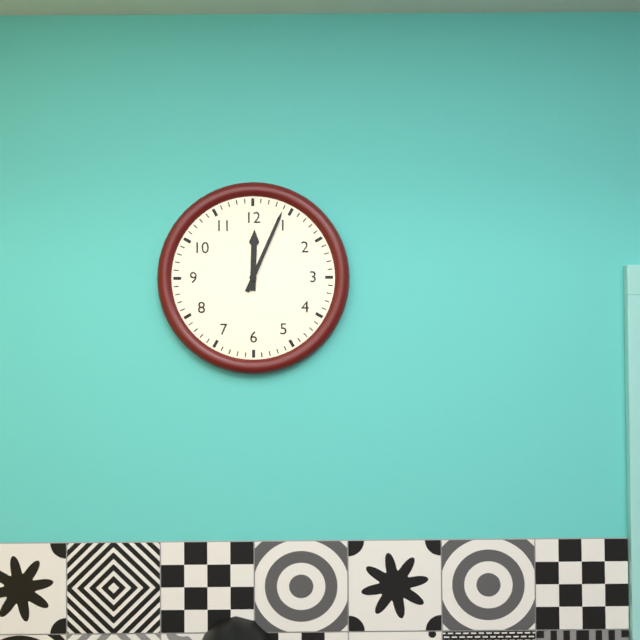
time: **12:04**
